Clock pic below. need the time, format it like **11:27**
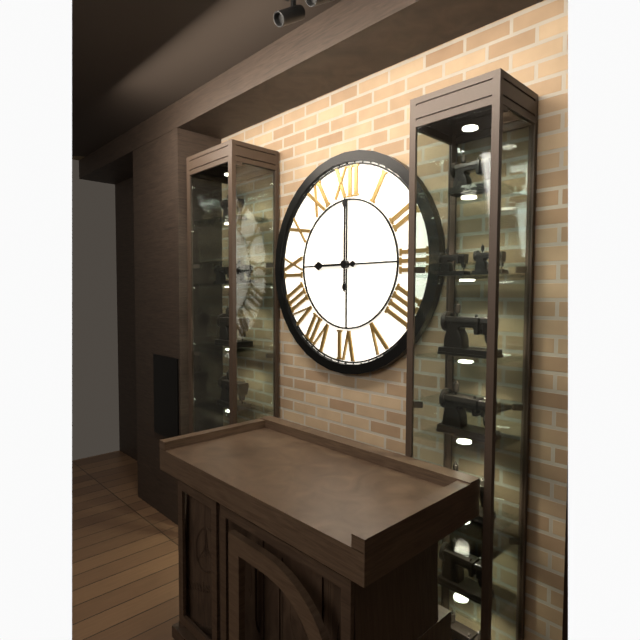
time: **9:00**
